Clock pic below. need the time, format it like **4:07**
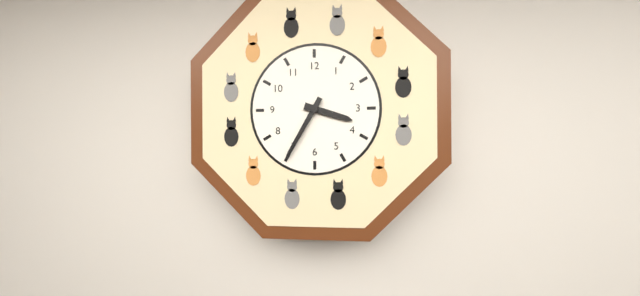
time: **3:35**
